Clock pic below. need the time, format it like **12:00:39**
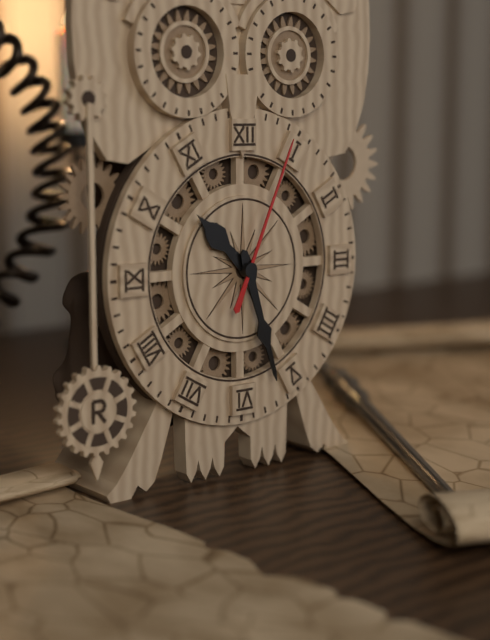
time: **10:27:04**
